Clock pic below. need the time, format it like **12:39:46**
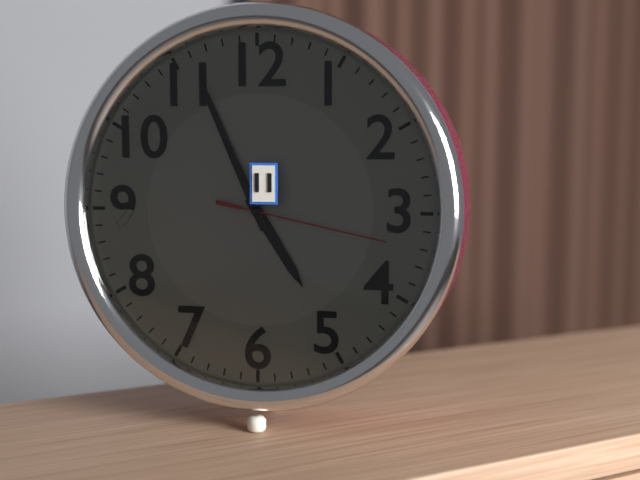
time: **4:56:17**
